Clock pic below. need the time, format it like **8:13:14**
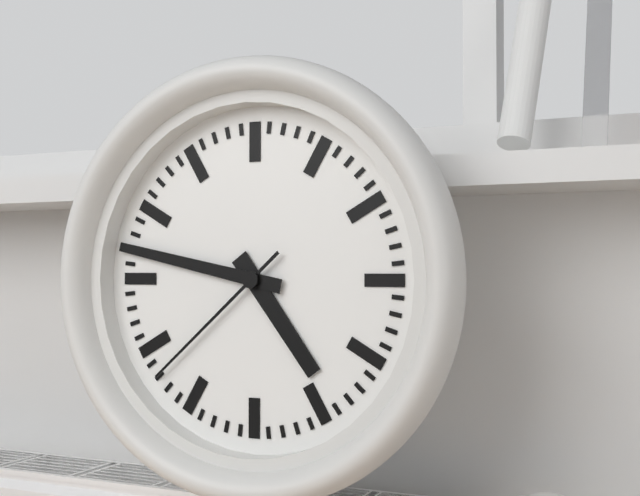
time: **4:47:38**
